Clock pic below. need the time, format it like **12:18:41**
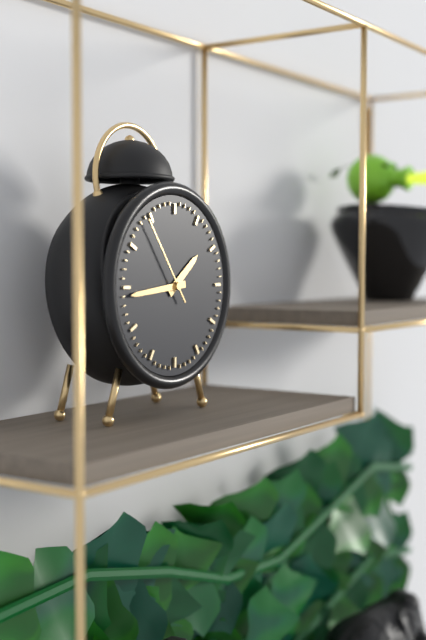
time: **1:44:54**
